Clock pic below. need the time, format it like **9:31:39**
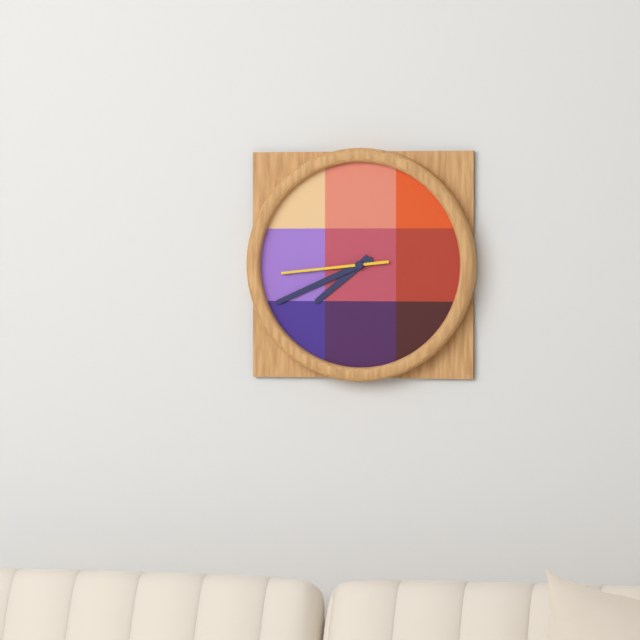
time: **7:41:44**
